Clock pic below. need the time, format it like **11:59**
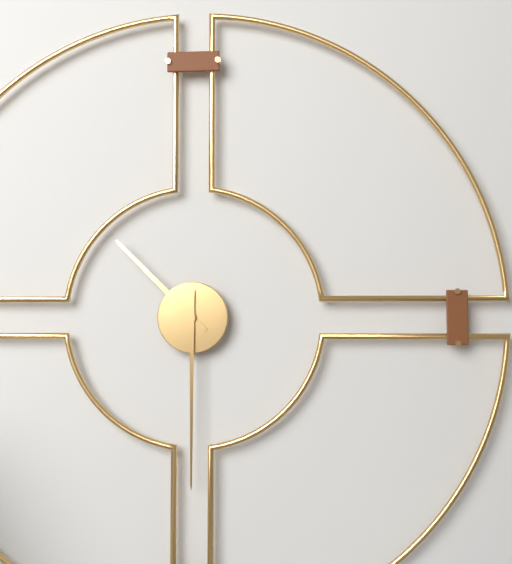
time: **10:30**
